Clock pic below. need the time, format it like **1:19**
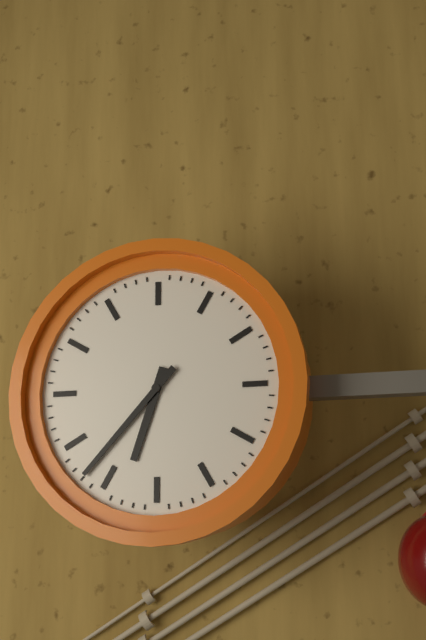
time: **6:37**
